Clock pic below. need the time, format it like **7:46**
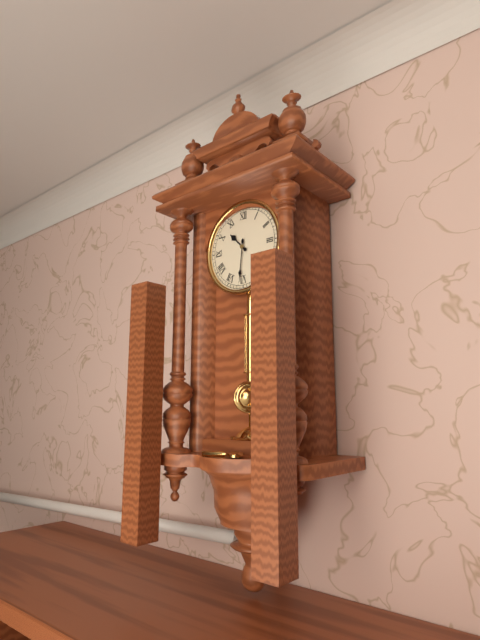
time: **10:31**
